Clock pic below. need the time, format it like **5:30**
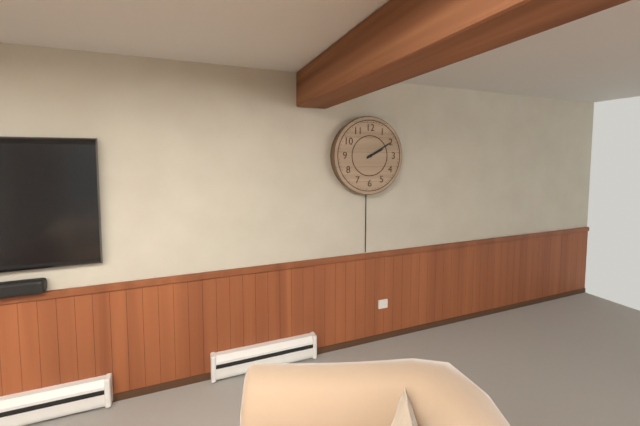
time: **2:10**
